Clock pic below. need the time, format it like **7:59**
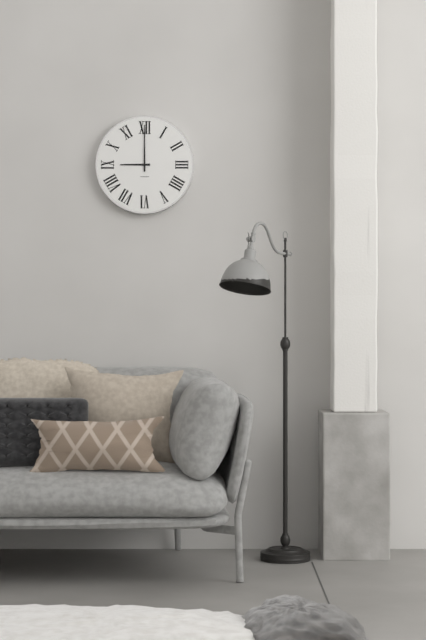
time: **9:00**
